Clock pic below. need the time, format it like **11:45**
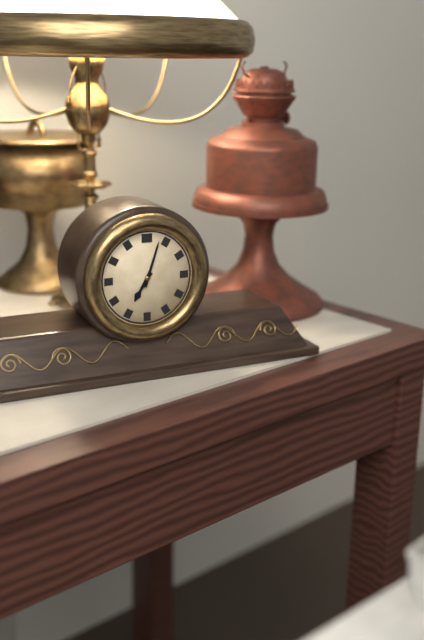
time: **7:03**
